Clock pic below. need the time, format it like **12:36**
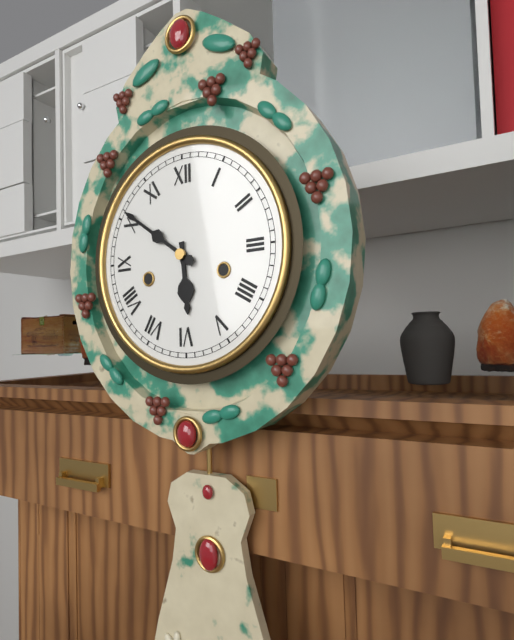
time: **5:51**
